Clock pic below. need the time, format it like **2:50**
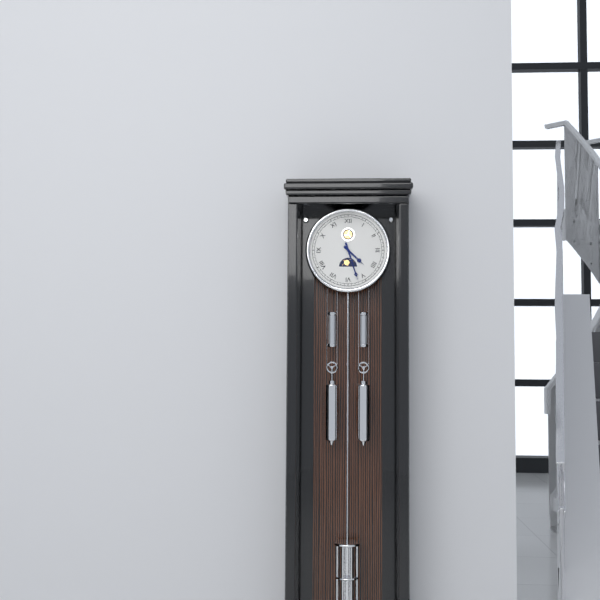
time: **4:27**
